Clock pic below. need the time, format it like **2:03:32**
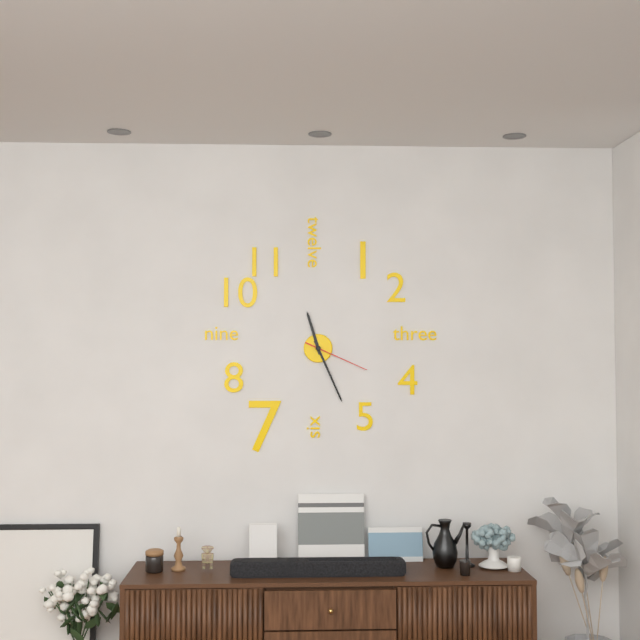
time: **11:26:19**
